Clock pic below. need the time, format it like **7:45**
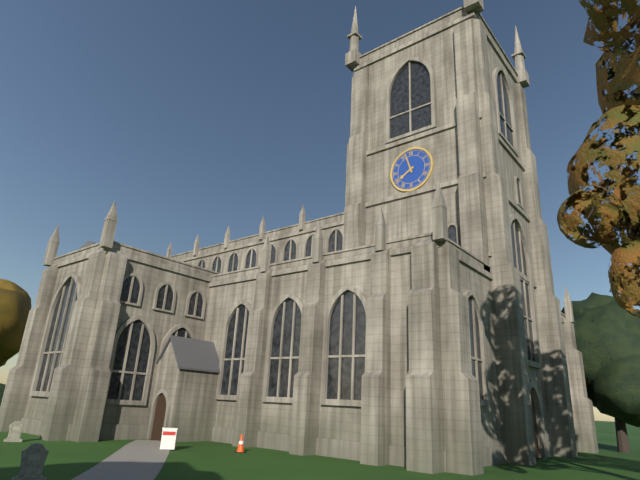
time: **7:57**
